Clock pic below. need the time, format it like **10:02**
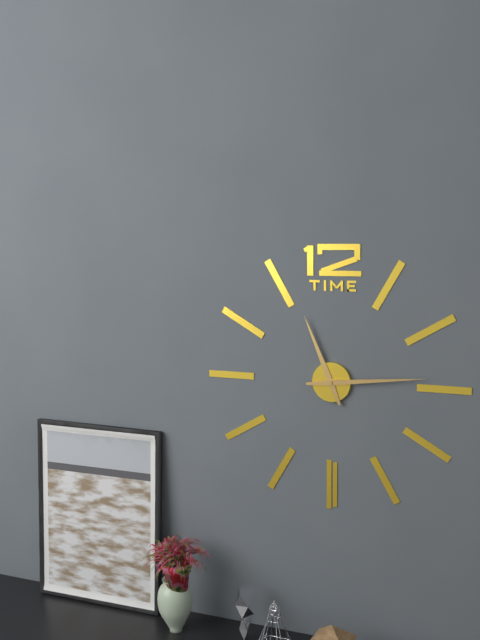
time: **11:14**
